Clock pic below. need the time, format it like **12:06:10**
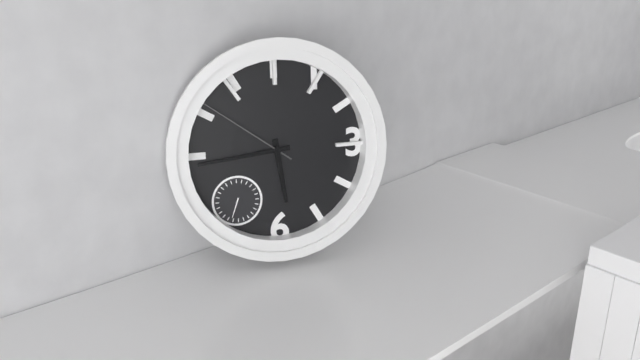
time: **5:44:51**
